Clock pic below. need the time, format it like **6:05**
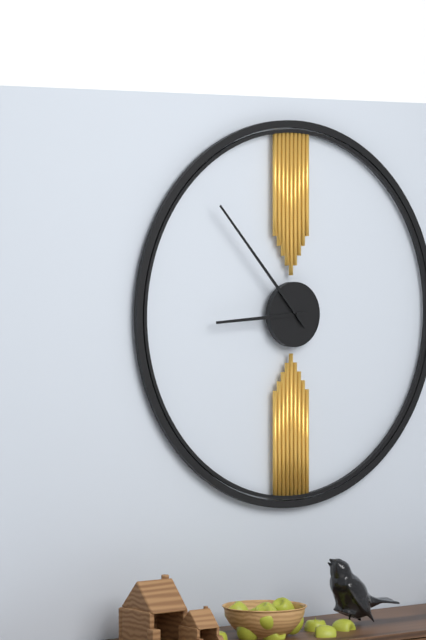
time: **8:53**
